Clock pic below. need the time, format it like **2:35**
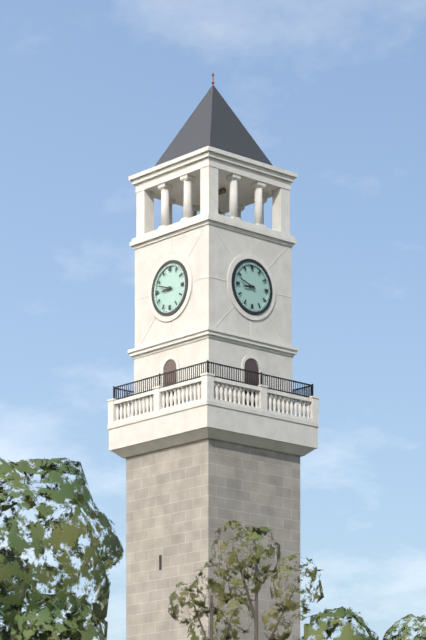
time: **8:48**
